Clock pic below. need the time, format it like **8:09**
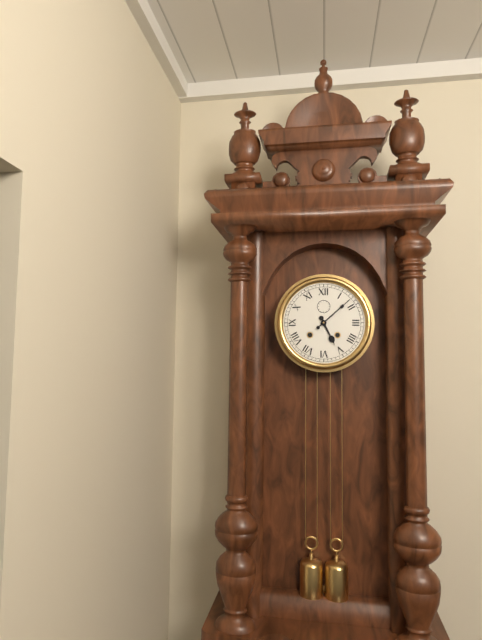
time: **5:08**
